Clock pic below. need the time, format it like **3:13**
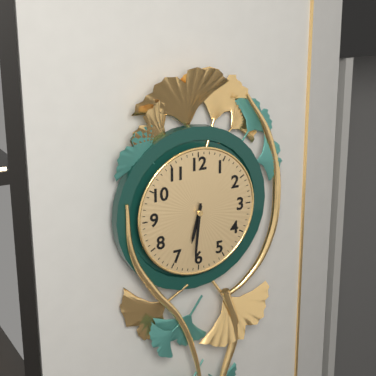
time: **6:31**
